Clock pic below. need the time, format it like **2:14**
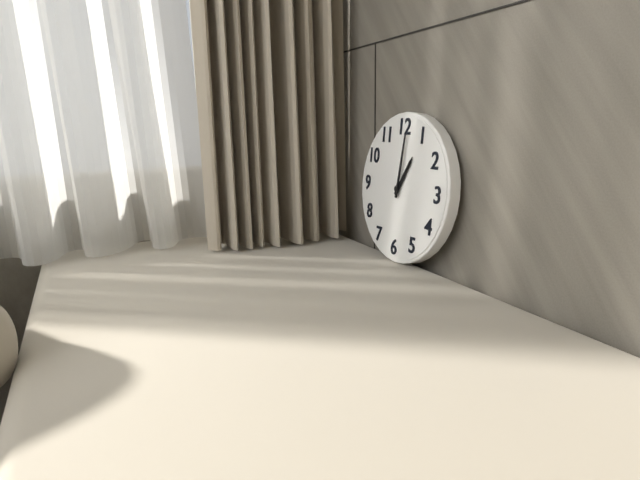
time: **1:01**
